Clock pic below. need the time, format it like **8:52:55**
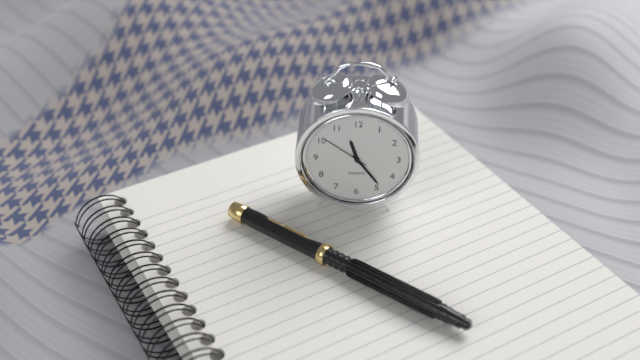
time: **11:24:51**
